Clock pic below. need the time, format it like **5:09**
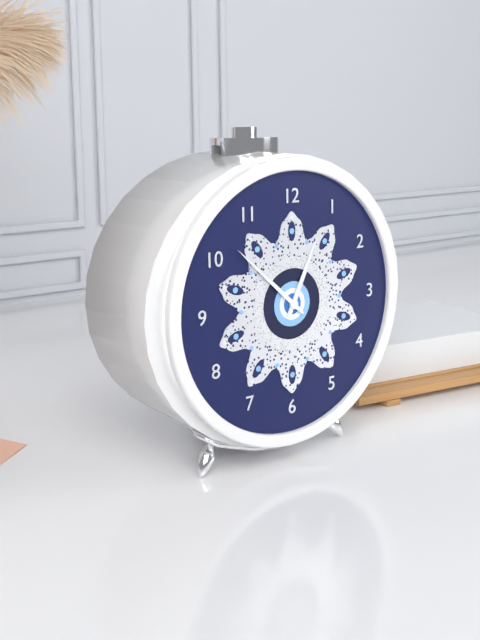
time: **12:52**
